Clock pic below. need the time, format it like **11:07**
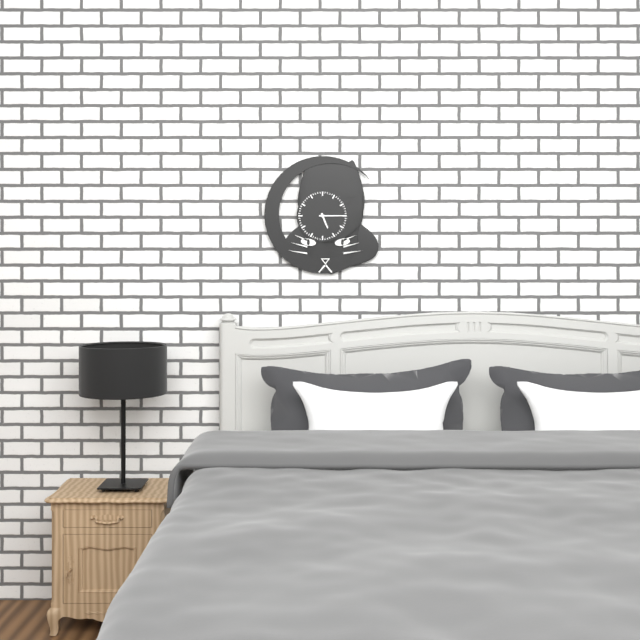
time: **5:15**
